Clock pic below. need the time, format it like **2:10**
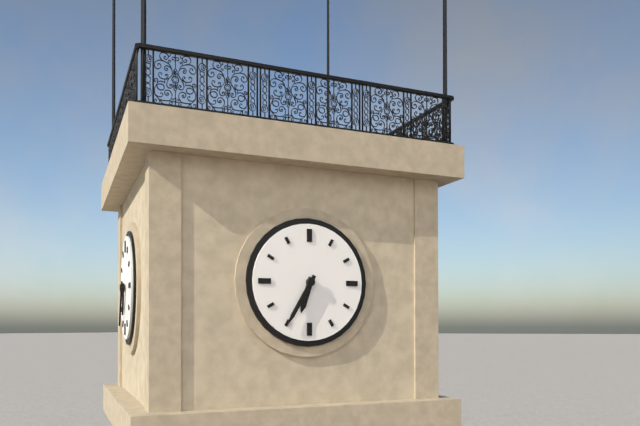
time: **6:35**
